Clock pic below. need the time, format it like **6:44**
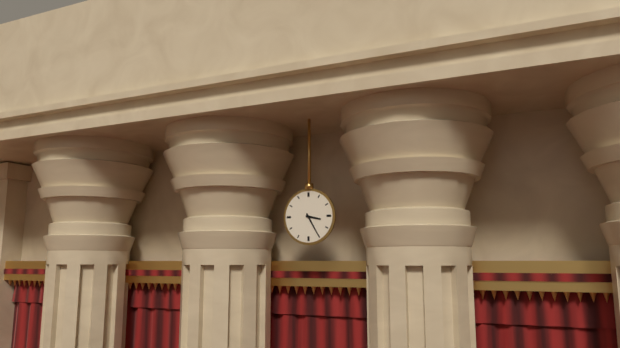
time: **3:25**
